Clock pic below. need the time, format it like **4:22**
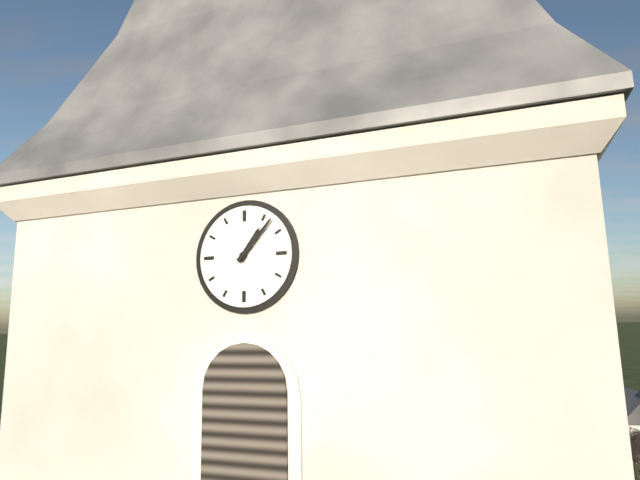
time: **1:07**
